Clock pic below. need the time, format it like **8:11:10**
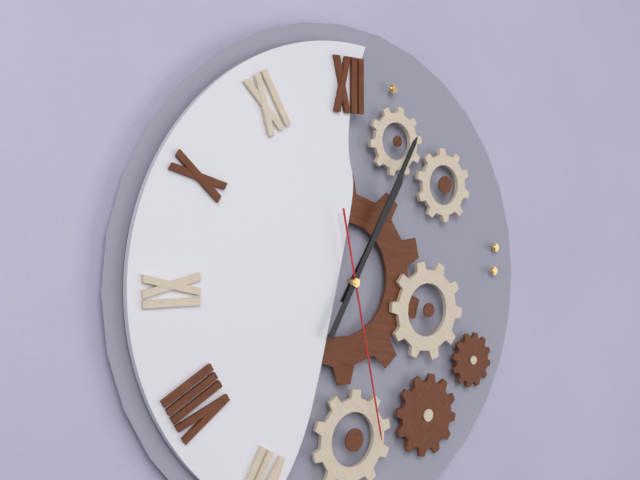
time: **1:05:28**
